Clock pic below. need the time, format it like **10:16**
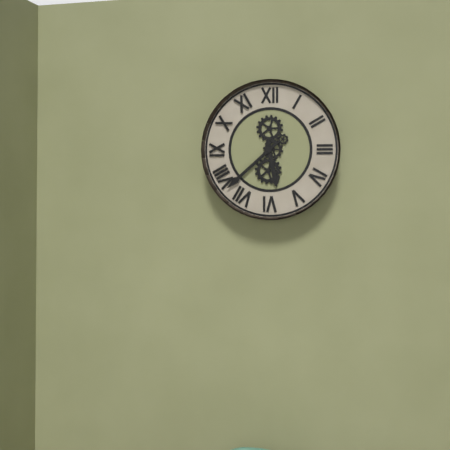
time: **5:38**
